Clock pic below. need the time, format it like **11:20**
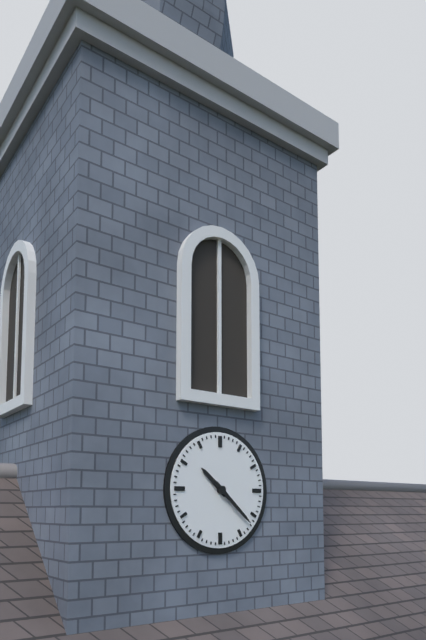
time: **10:22**
